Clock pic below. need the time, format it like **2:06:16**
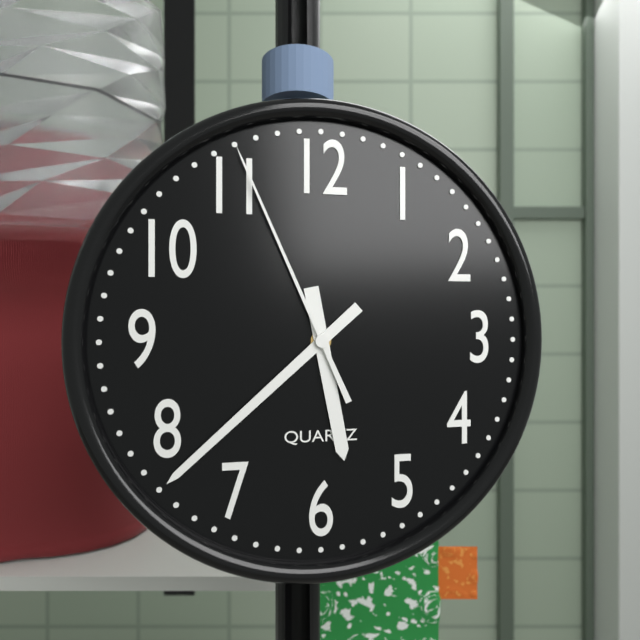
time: **5:38:56**
